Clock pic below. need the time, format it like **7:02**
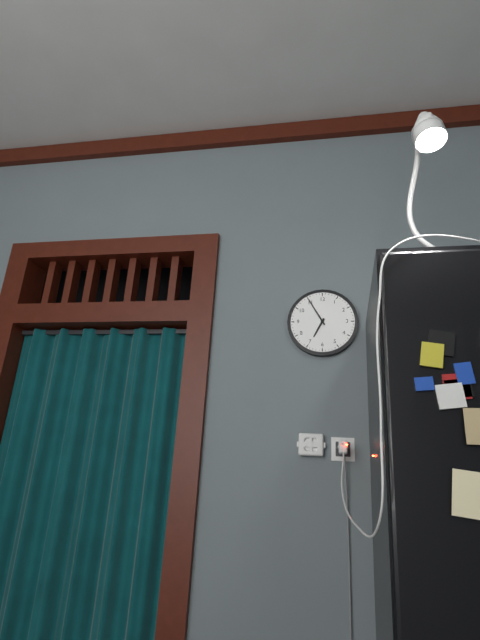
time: **6:55**
